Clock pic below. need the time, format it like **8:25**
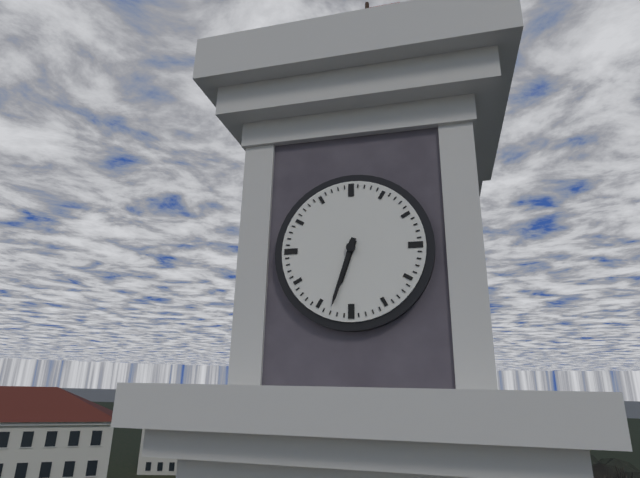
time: **6:33**
